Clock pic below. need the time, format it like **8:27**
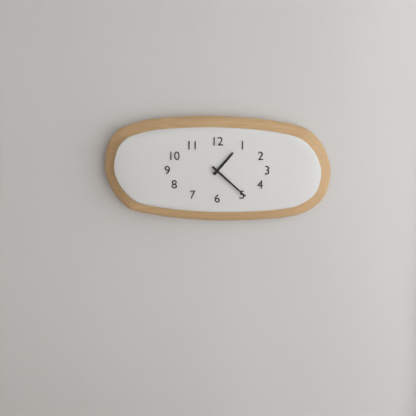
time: **1:22**
